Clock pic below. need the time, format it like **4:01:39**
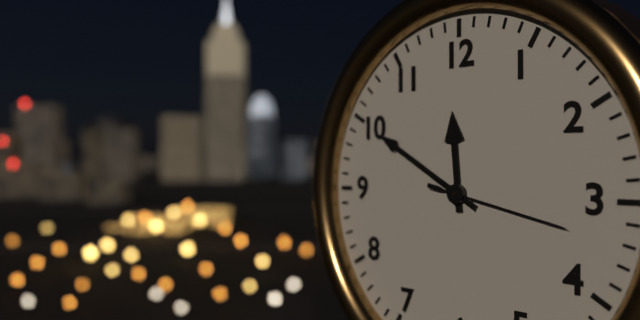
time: **11:50:17**
